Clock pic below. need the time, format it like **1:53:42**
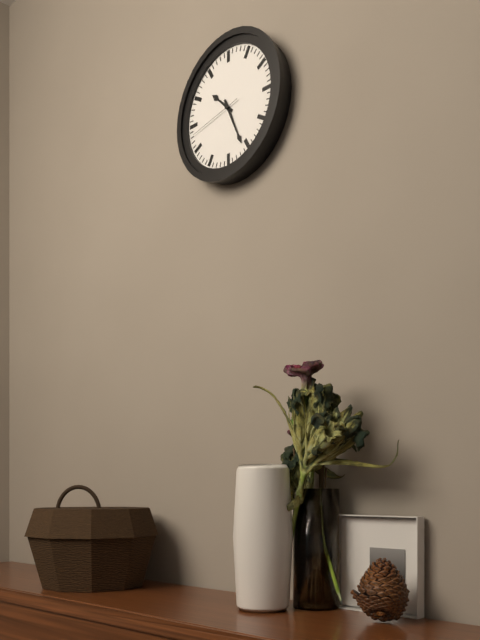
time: **10:26:43**
